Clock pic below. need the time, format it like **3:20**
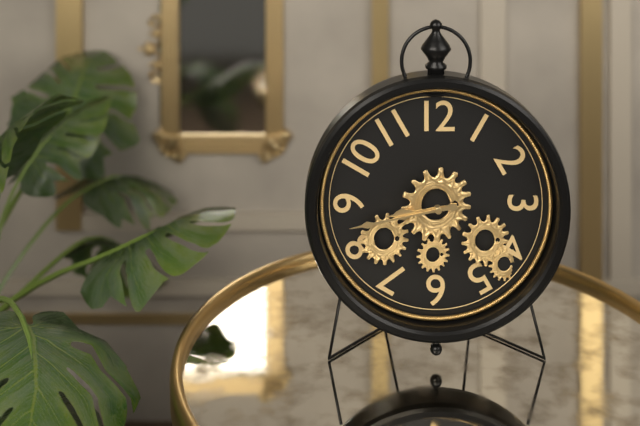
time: **8:43**
